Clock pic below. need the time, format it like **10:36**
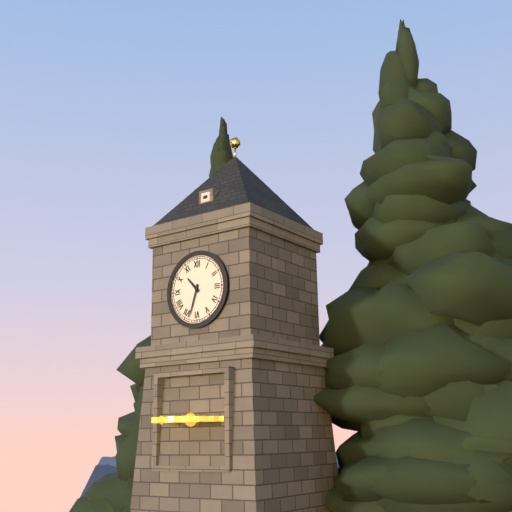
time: **10:33**
